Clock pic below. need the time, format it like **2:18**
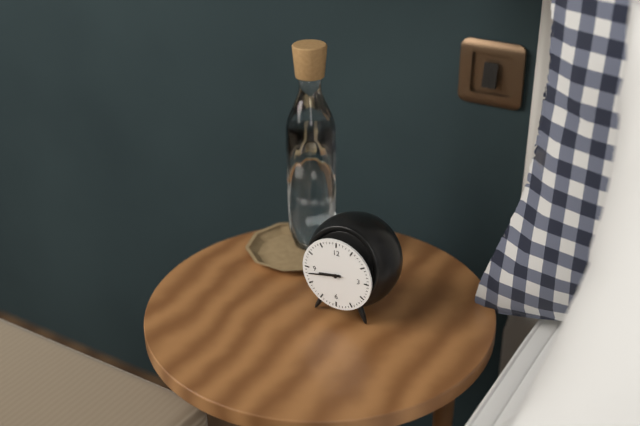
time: **8:43**
